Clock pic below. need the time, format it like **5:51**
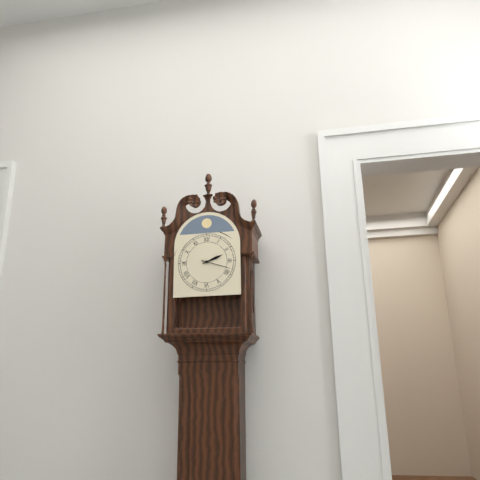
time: **2:18**
